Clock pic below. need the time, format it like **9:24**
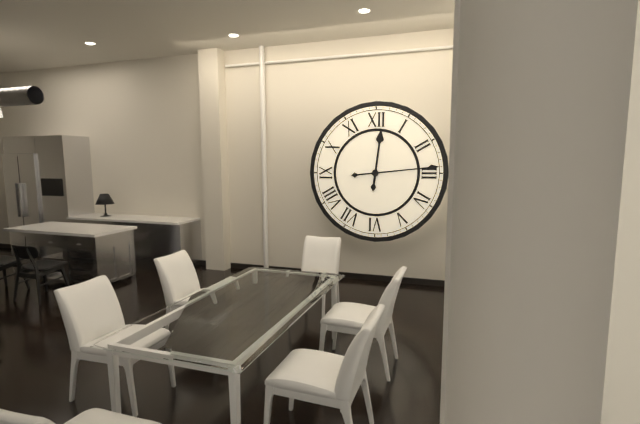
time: **12:14**
